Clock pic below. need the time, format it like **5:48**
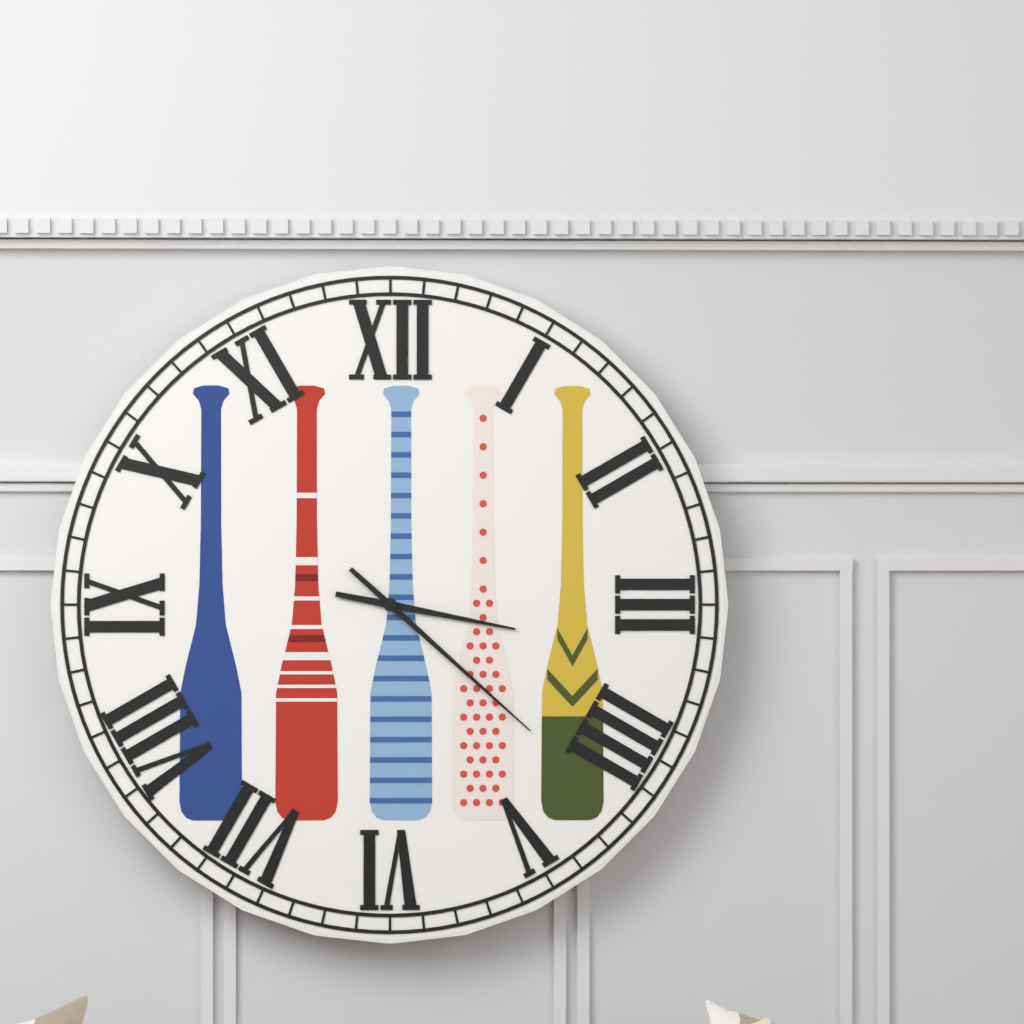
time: **3:22**
